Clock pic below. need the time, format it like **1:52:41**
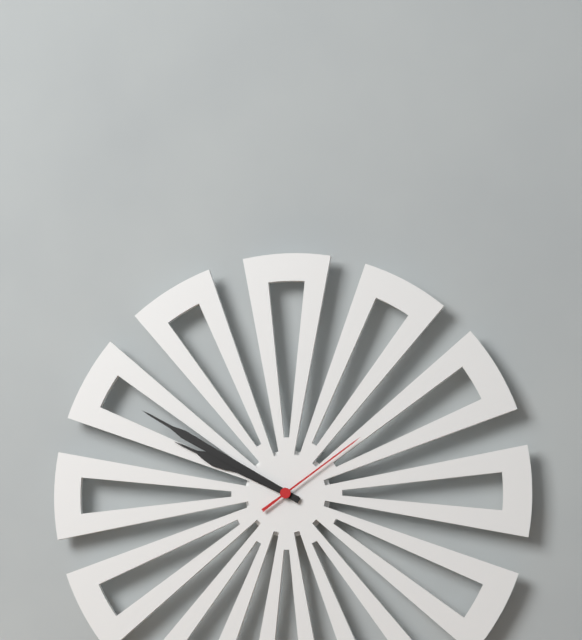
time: **9:50:09**
